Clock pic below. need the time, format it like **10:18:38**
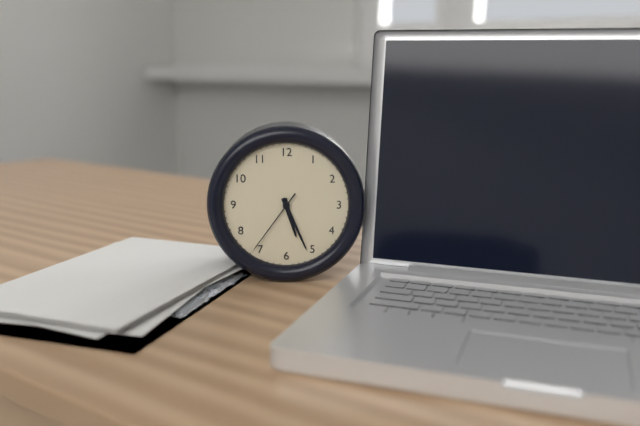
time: **5:26:36**
